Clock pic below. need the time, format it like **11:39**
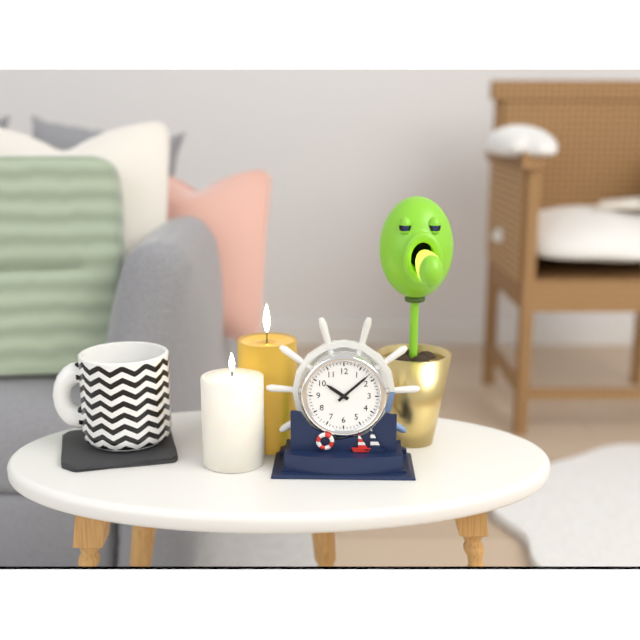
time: **10:08**
